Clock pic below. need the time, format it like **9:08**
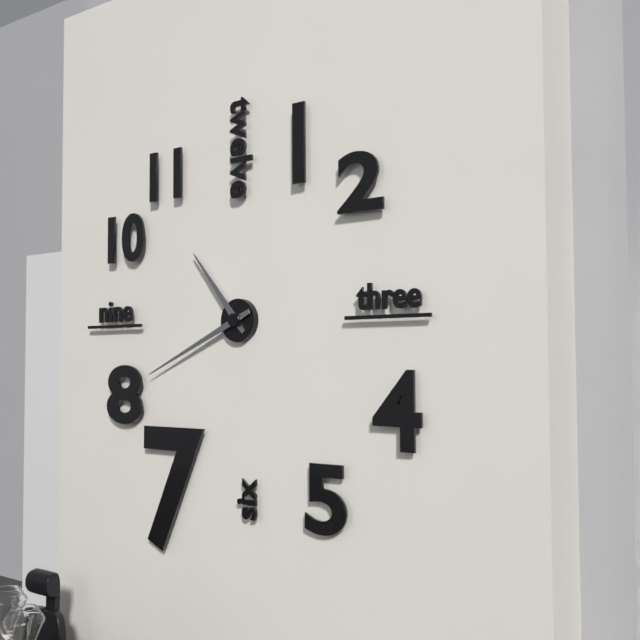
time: **10:41**
